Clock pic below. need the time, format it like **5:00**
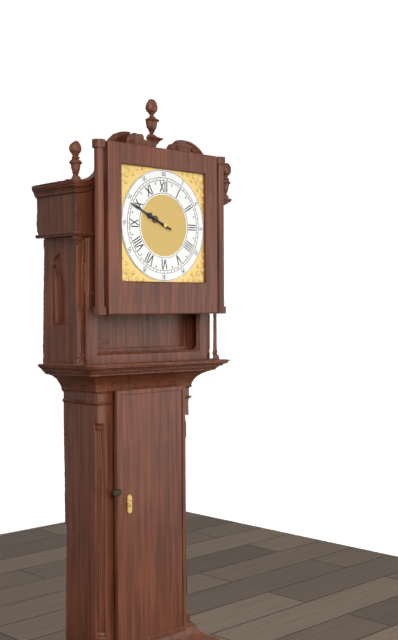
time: **9:49**
